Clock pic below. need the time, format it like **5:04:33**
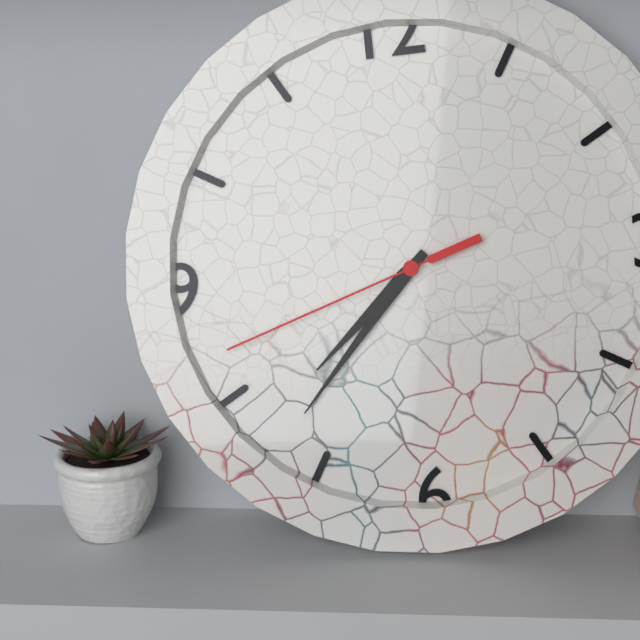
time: **7:37:42**
